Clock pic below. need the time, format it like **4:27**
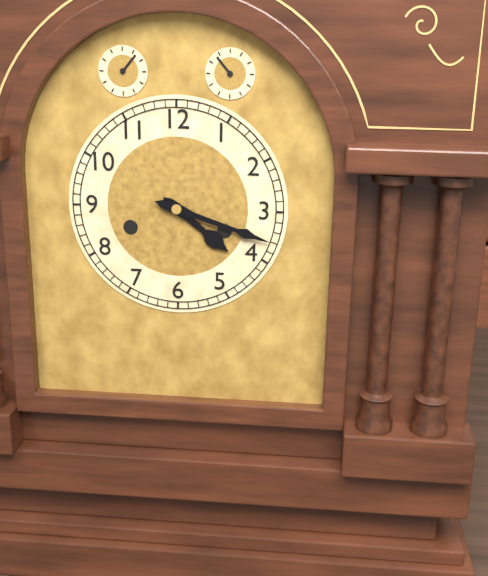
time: **4:18**
